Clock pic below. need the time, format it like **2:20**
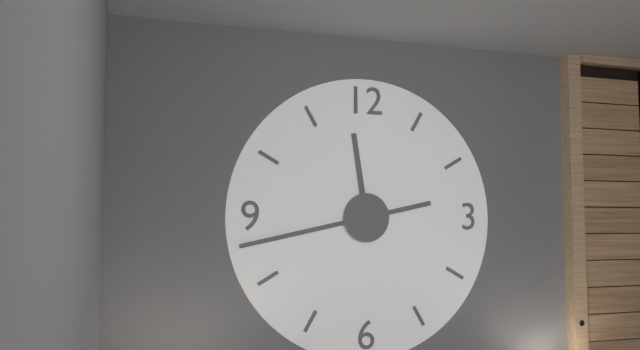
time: **11:43**
